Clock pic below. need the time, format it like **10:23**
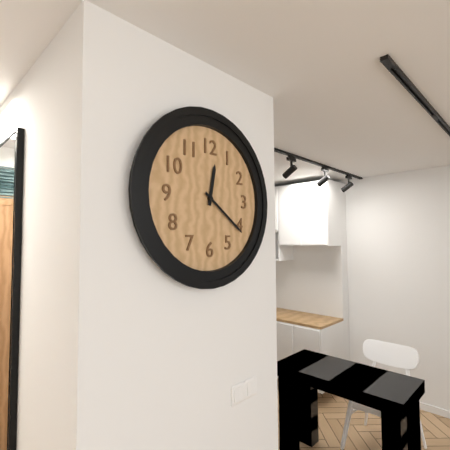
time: **12:21**
